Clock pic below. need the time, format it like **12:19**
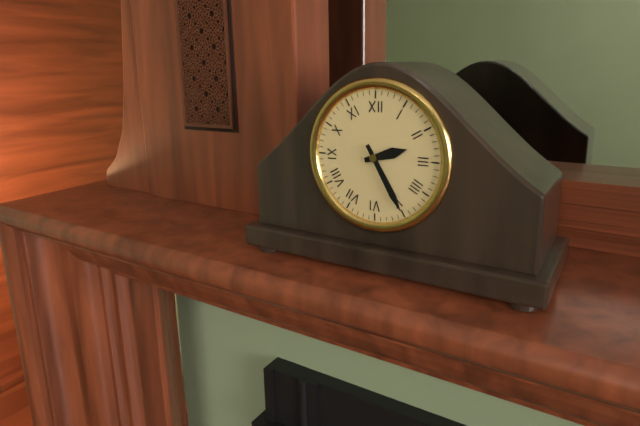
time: **2:25**
